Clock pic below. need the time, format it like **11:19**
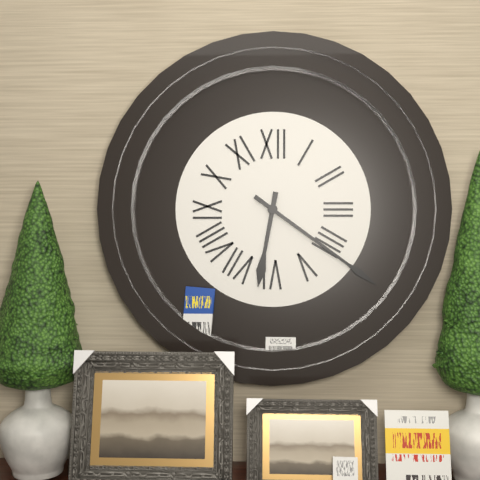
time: **6:21**
